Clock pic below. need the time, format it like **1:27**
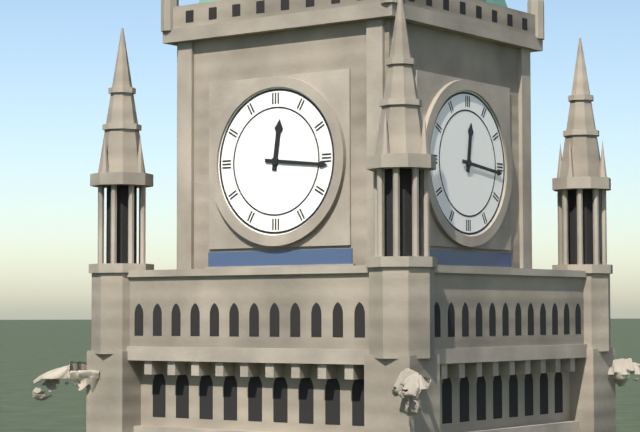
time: **12:16**
